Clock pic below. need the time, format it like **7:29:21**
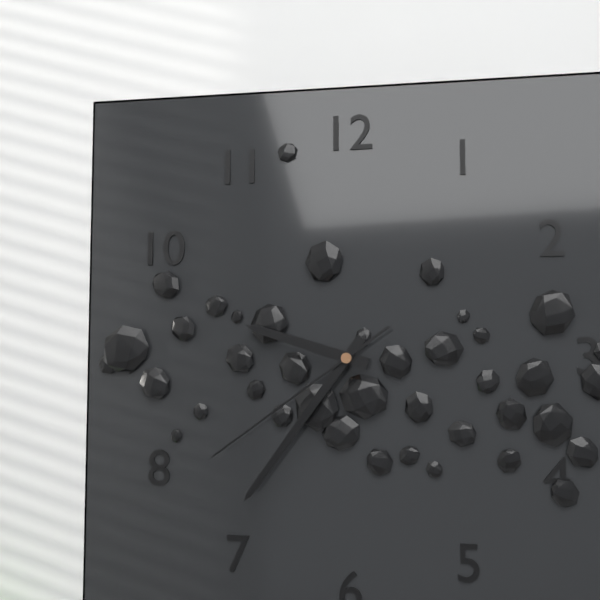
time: **9:36:39**
